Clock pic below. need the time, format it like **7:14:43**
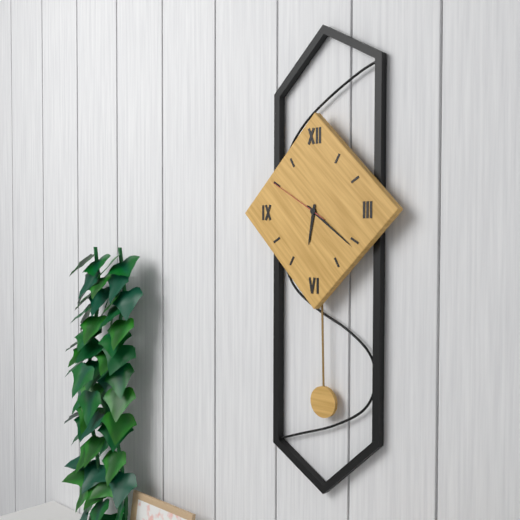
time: **6:21:50**
